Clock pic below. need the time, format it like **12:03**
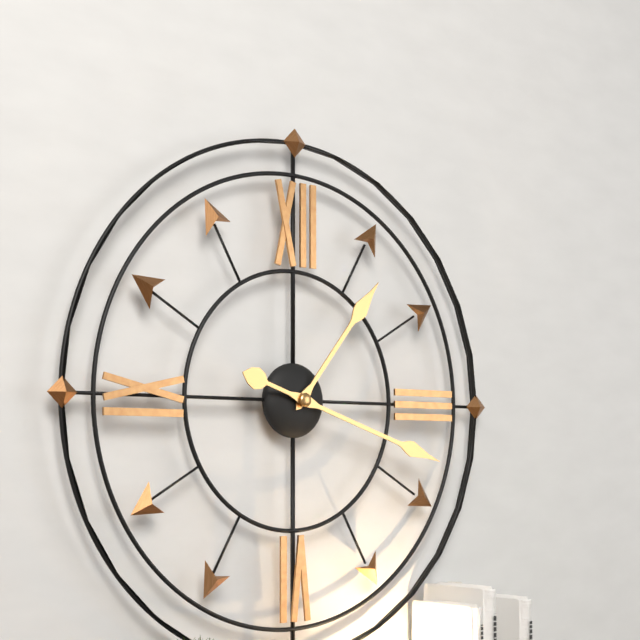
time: **1:18**
